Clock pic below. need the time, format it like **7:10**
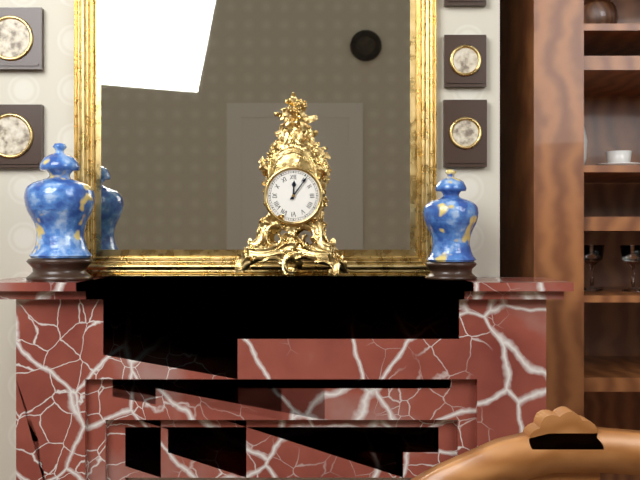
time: **12:06**
